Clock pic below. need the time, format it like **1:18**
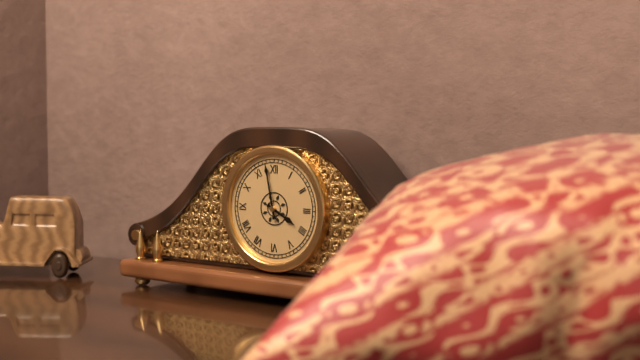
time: **3:58**
